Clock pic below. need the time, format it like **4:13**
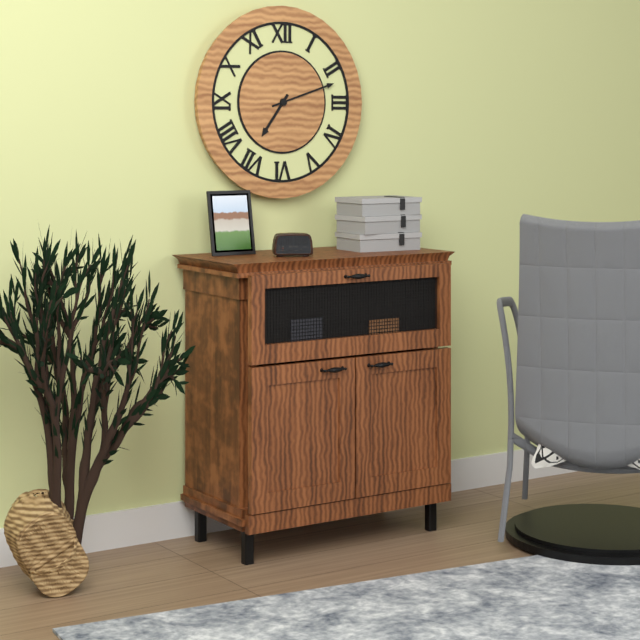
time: **7:12**
